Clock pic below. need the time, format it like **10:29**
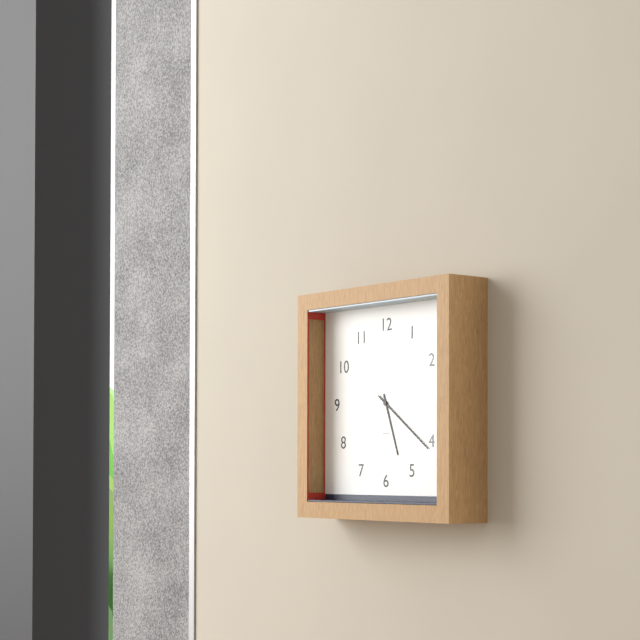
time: **5:21**
